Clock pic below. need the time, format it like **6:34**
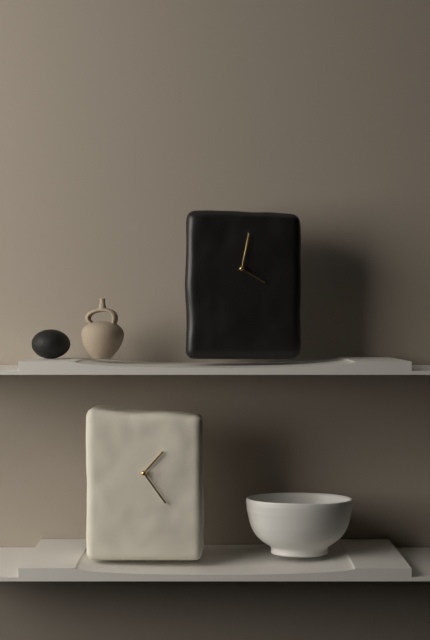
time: **4:02**
